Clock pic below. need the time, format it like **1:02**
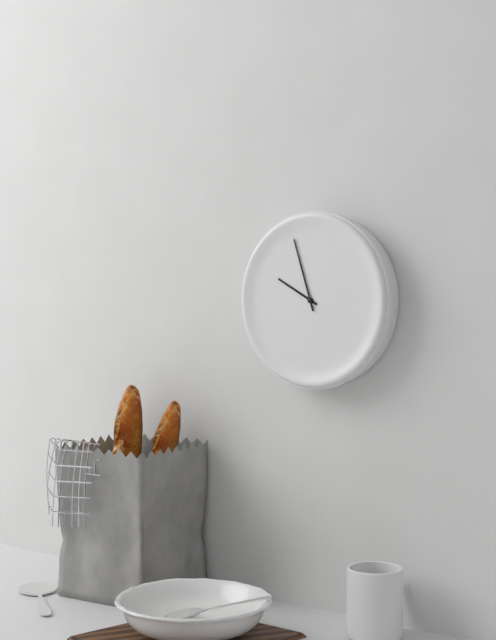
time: **9:57**
